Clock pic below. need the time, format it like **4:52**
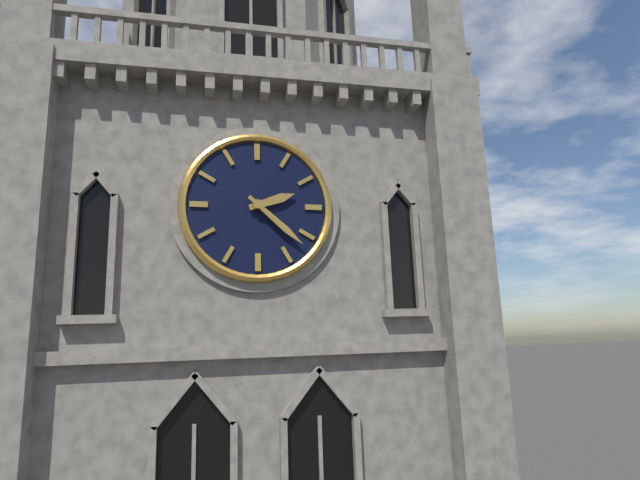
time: **2:22**
